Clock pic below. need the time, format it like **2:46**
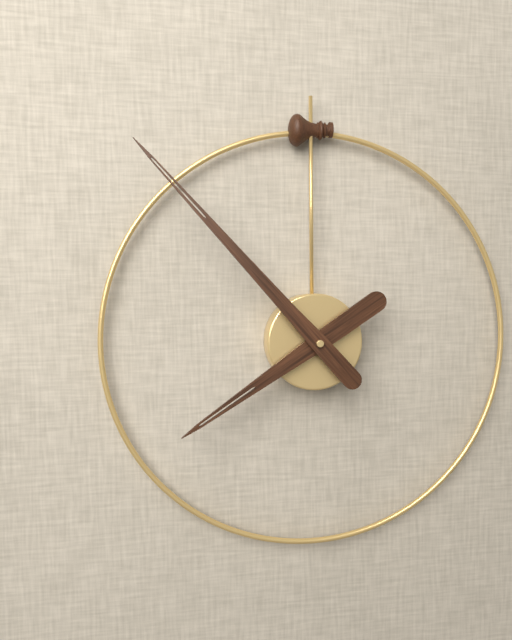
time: **7:53**
